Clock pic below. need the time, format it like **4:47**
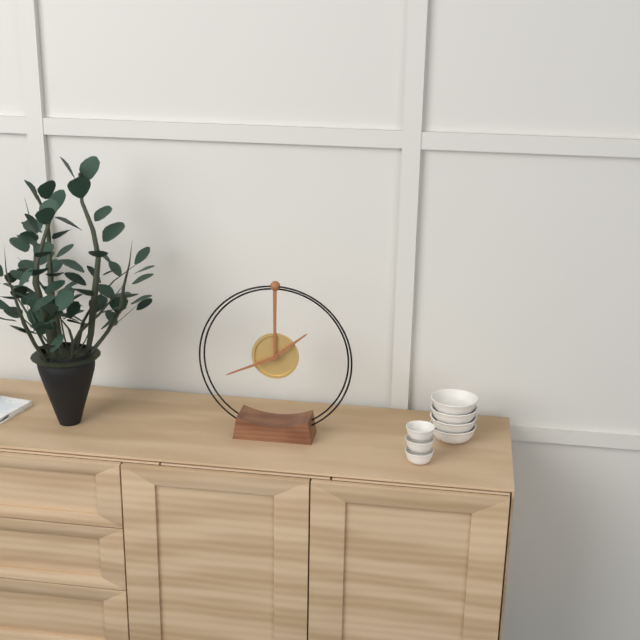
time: **1:41**
